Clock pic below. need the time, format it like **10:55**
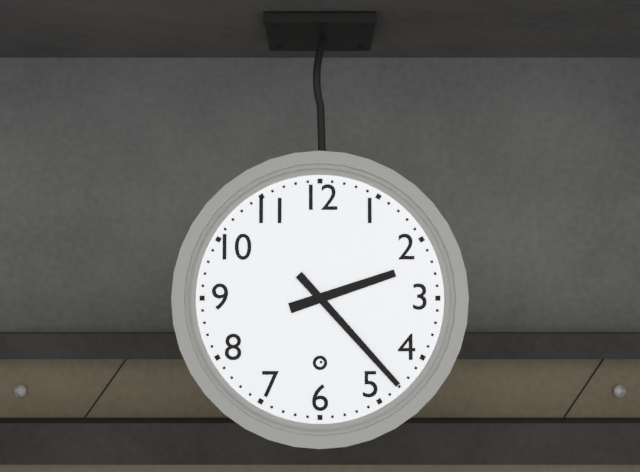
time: **2:23**
